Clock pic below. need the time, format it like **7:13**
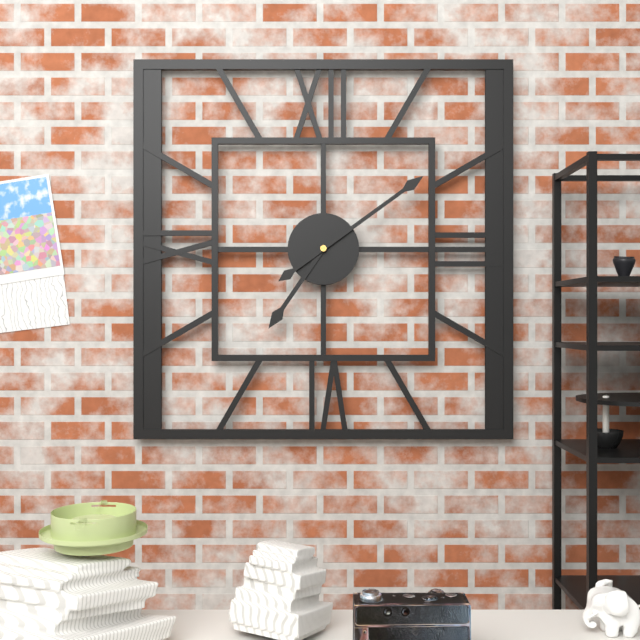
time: **7:09**
